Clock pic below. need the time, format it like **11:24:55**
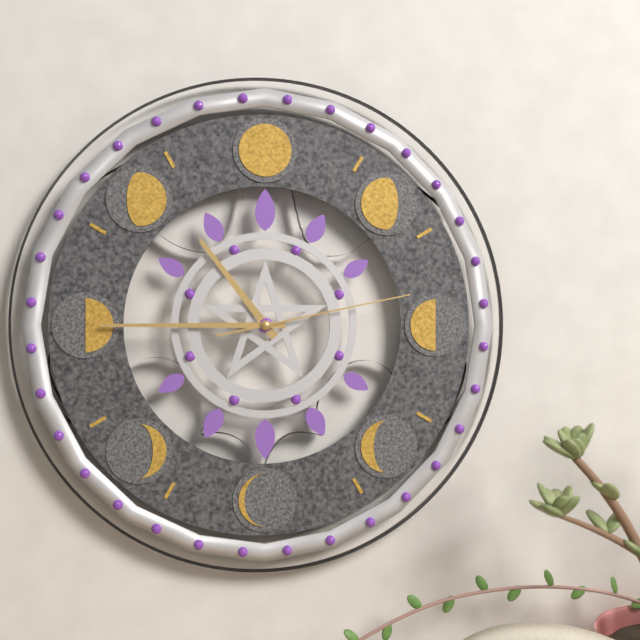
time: **10:45:13**
